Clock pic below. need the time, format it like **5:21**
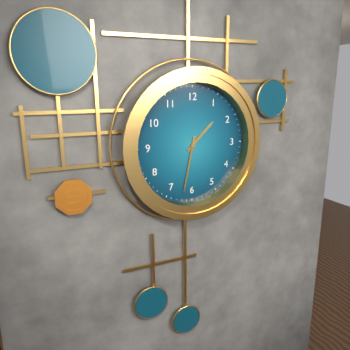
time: **1:32**
